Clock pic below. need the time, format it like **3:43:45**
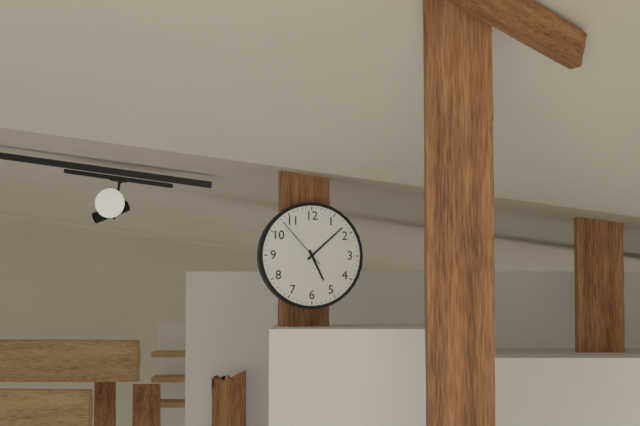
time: **5:08:53**
